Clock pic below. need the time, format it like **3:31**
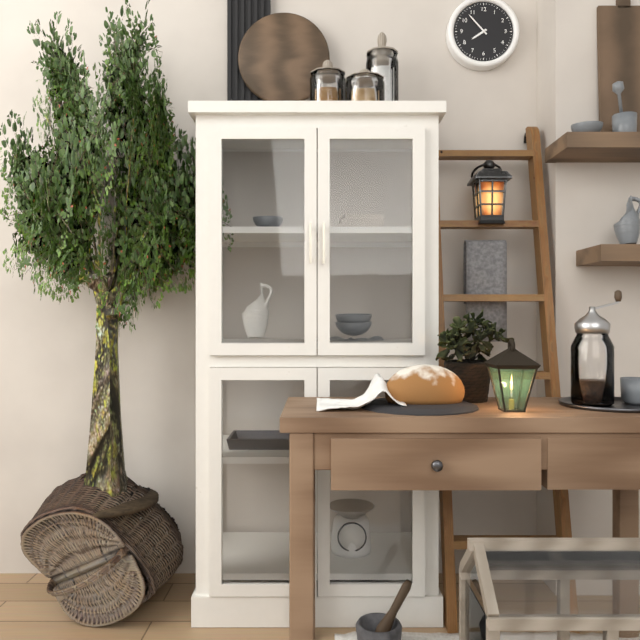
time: **7:53**
